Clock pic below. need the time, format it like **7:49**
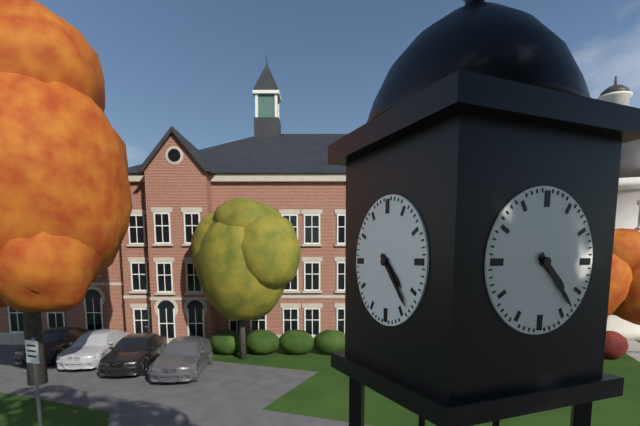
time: **4:23**
